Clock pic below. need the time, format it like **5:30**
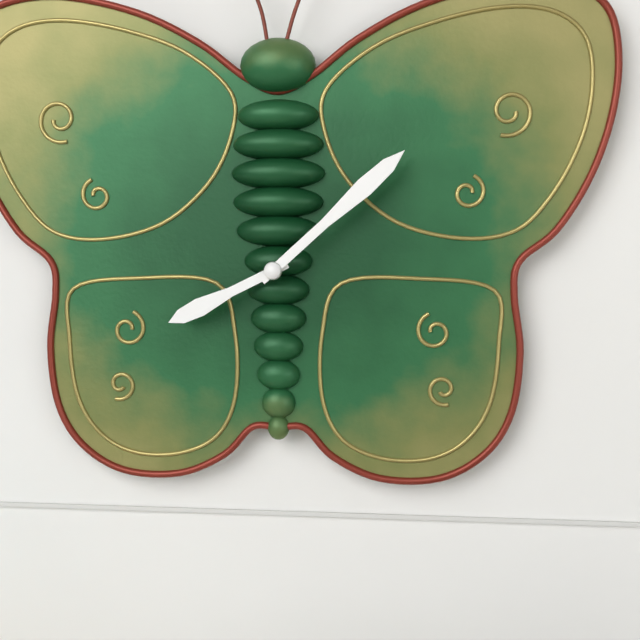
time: **8:08**
